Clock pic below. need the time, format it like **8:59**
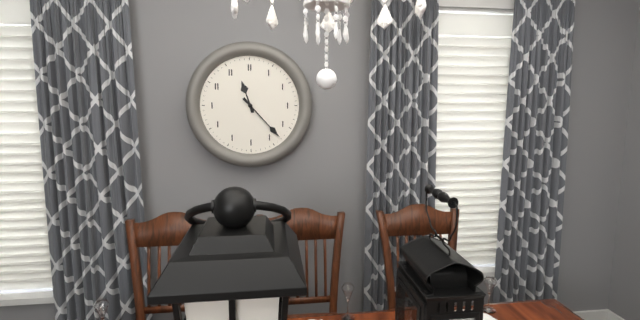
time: **11:23**
